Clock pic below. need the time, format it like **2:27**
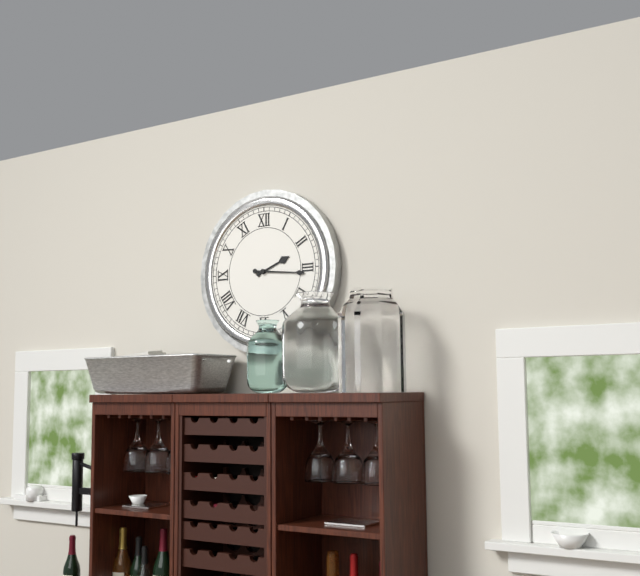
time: **2:16**
